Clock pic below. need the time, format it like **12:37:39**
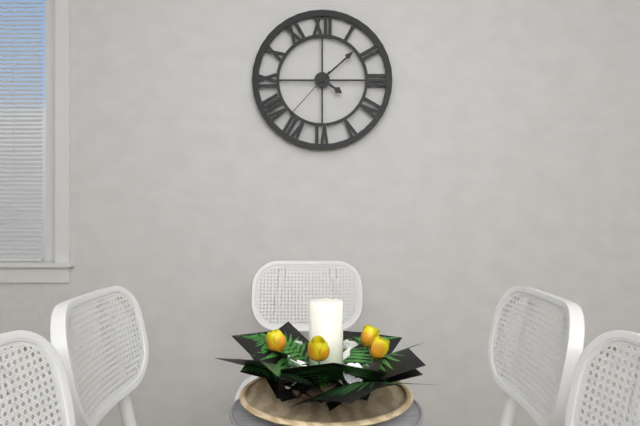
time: **4:08:37**
